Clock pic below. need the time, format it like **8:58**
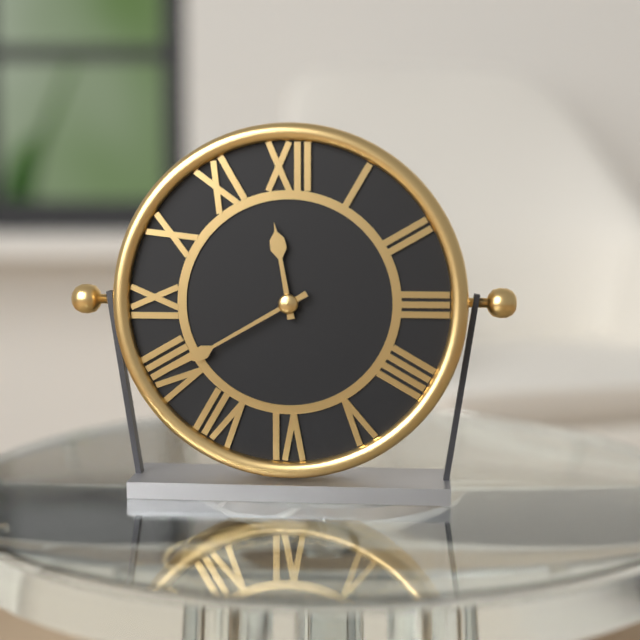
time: **11:40**
